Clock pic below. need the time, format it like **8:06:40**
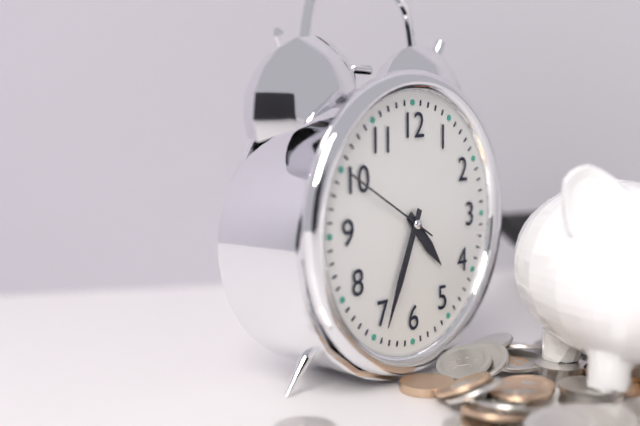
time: **4:34:50**
